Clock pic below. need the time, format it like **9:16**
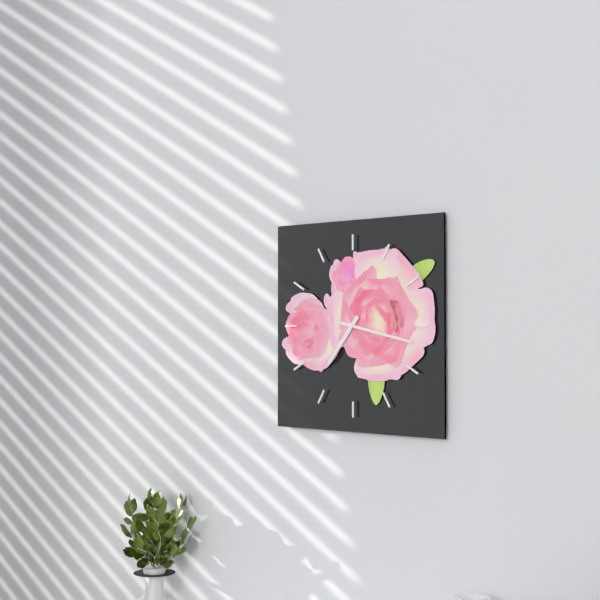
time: **7:17**
